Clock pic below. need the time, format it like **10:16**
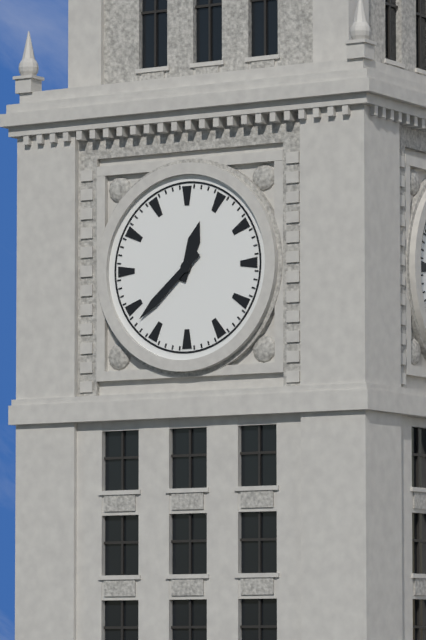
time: **12:38**
